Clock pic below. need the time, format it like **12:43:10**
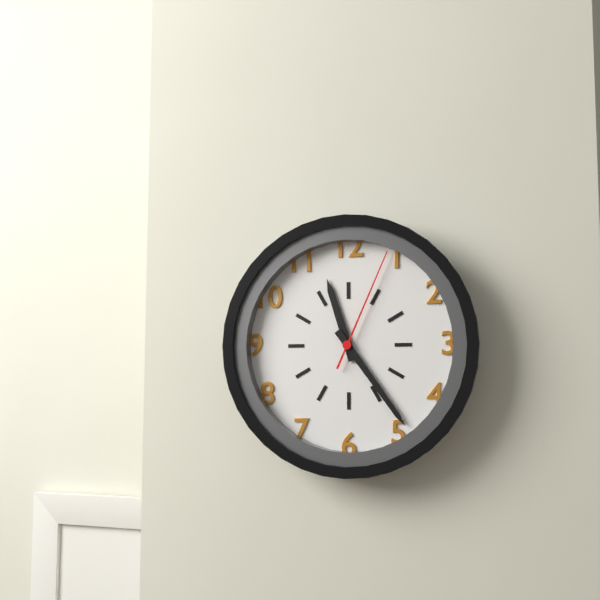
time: **11:24:04**
